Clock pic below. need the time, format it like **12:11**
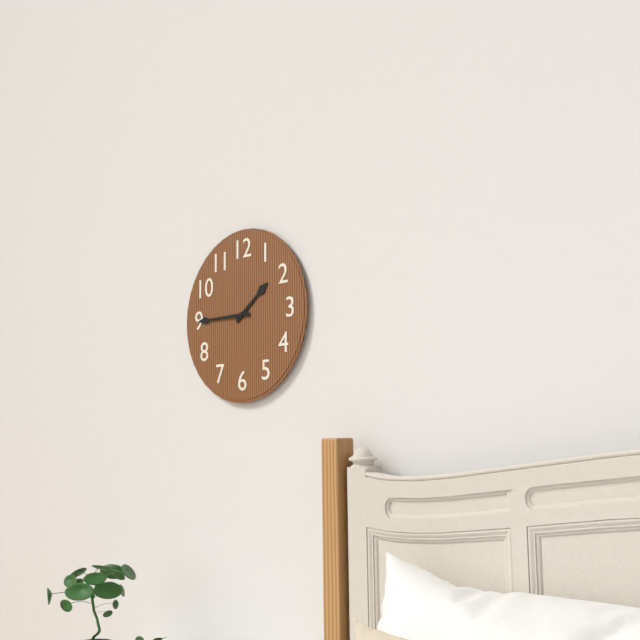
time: **1:45**
